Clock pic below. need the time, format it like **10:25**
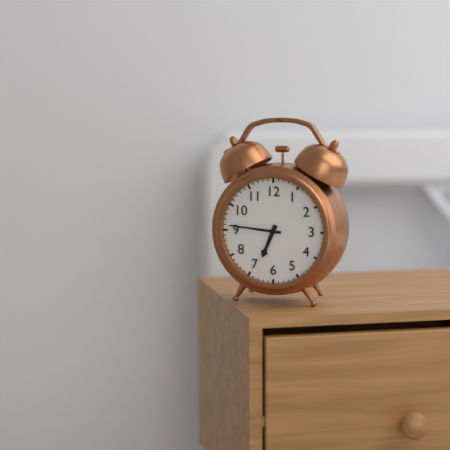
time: **6:46**
